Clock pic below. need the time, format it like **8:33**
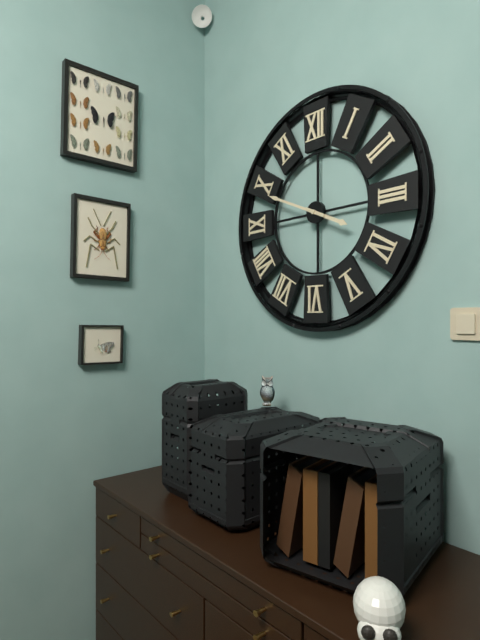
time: **3:49**
